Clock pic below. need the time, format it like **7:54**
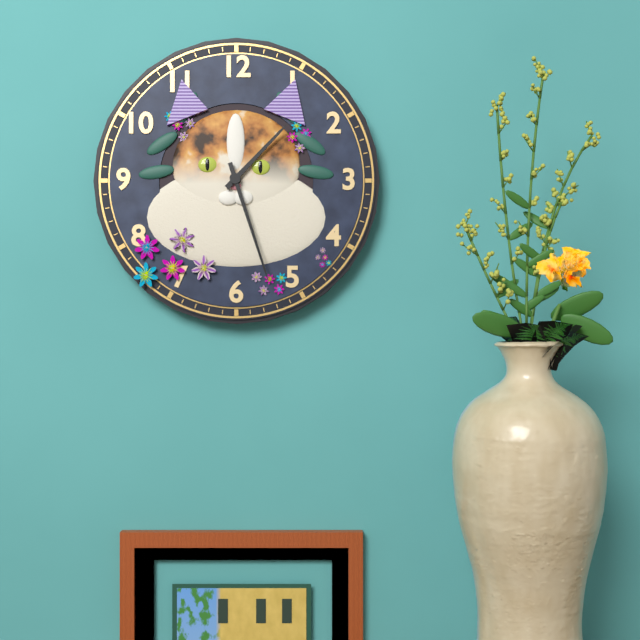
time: **1:27**
